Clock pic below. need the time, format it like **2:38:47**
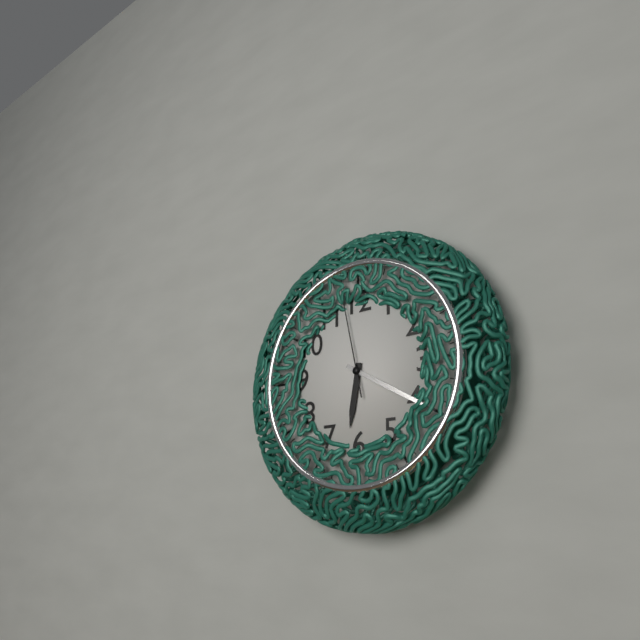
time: **6:20:58**
